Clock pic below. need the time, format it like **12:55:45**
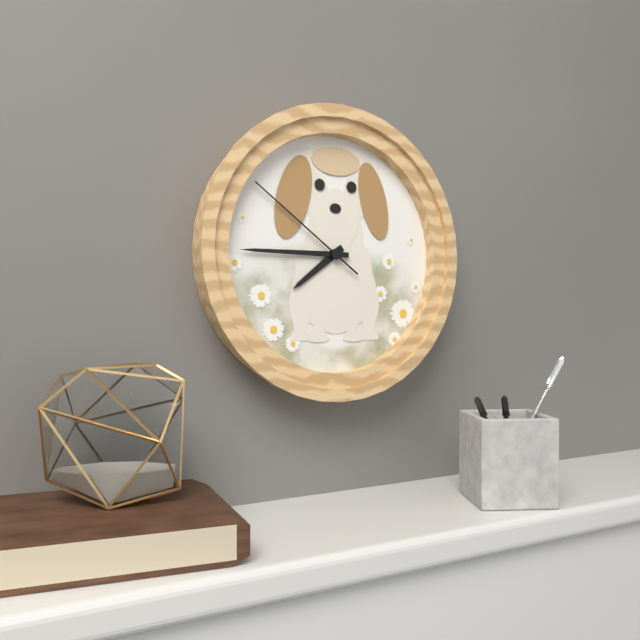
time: **7:45:51**
